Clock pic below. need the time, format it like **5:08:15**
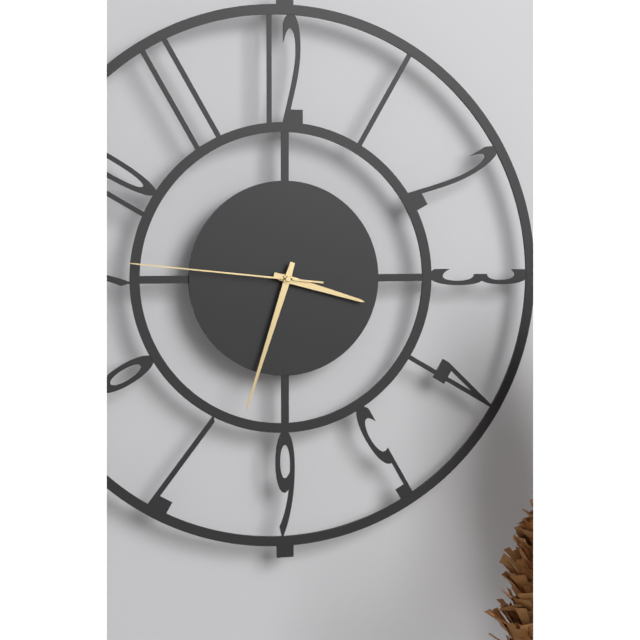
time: **3:33:46**
